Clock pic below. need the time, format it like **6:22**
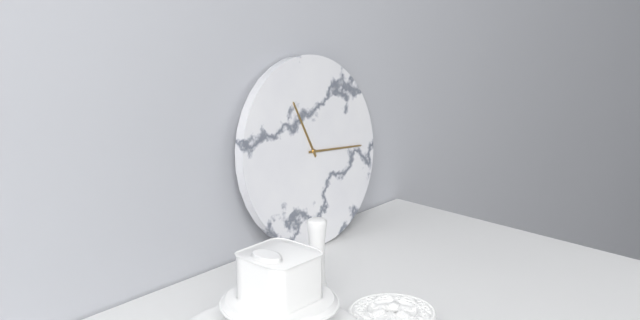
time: **11:16**
